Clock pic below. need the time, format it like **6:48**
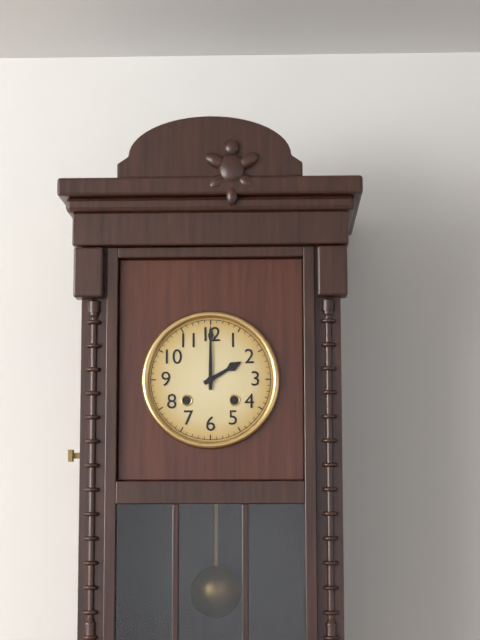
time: **2:00**
